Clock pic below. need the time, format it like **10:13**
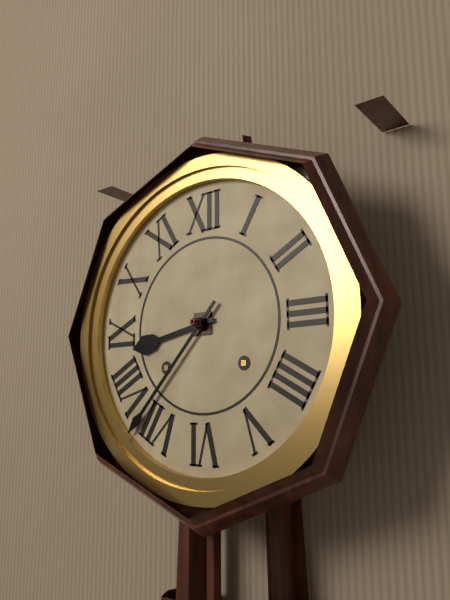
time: **8:37**
